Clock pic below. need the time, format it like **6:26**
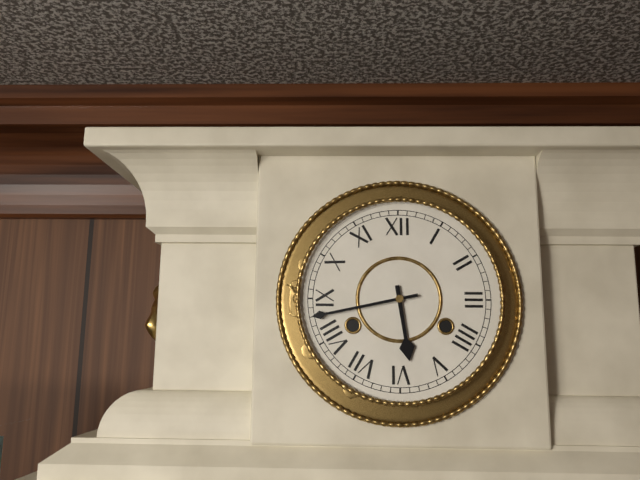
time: **5:43**
